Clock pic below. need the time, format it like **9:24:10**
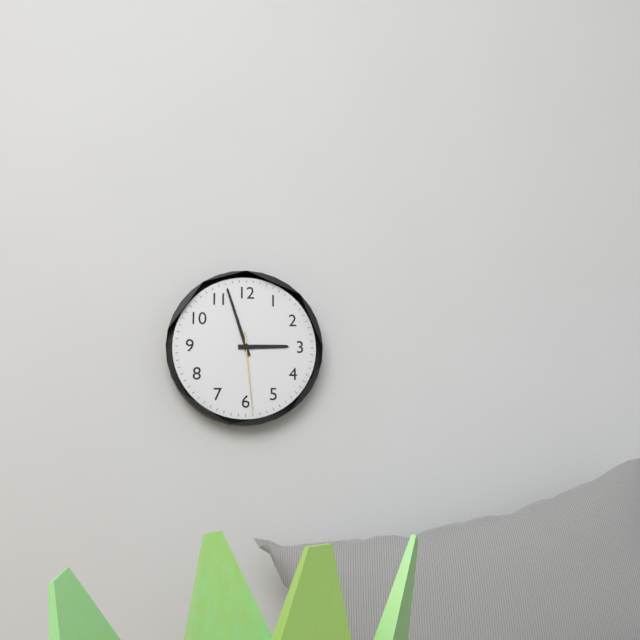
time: **2:57:29**
